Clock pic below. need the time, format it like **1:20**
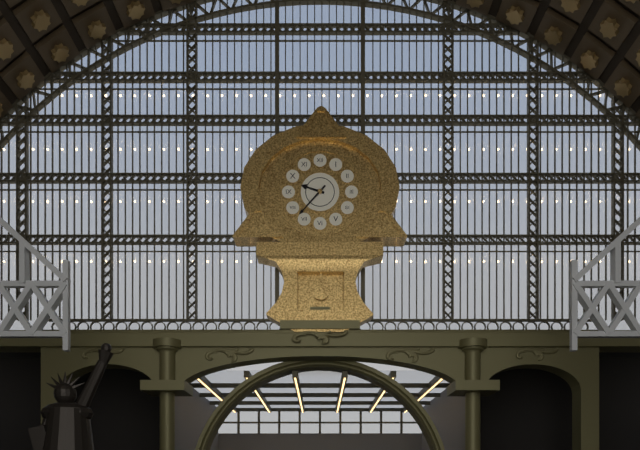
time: **9:37**
